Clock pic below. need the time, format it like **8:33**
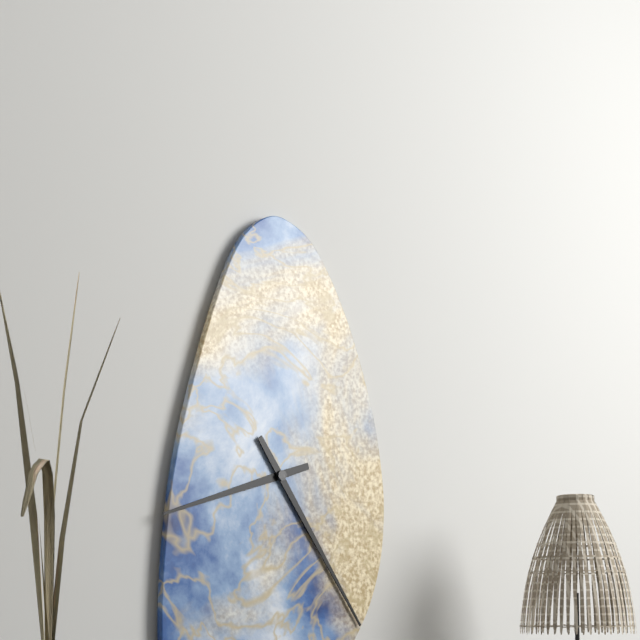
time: **8:24**
